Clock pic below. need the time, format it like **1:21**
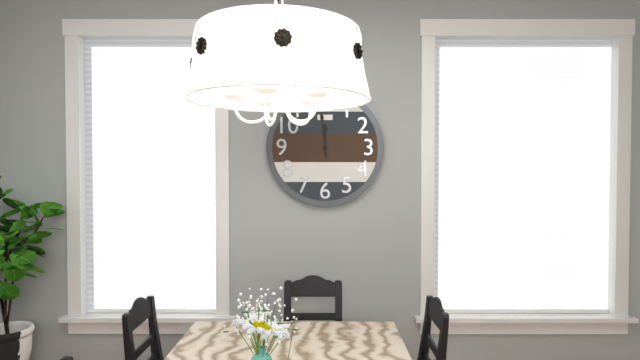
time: **11:59**
